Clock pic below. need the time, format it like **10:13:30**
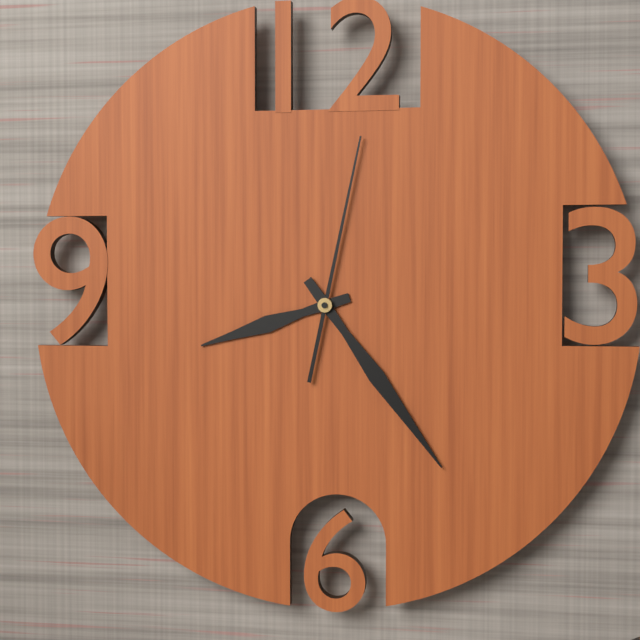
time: **8:24:02**
